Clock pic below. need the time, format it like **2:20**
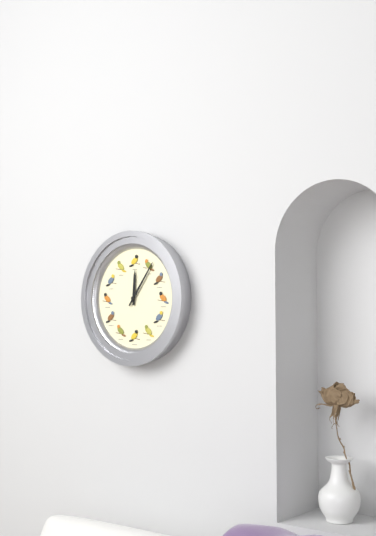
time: **12:06**
